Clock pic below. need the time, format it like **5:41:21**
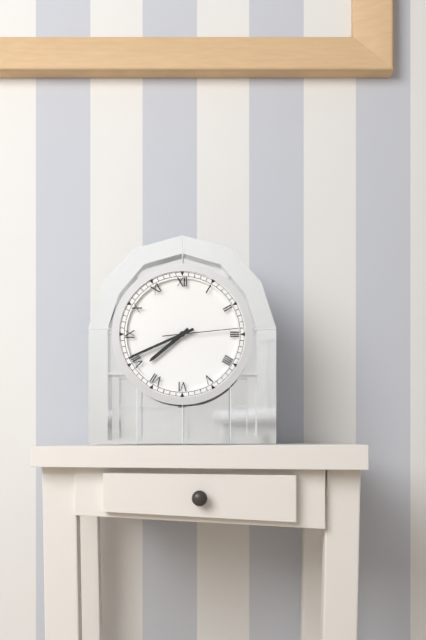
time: **7:41:14**
